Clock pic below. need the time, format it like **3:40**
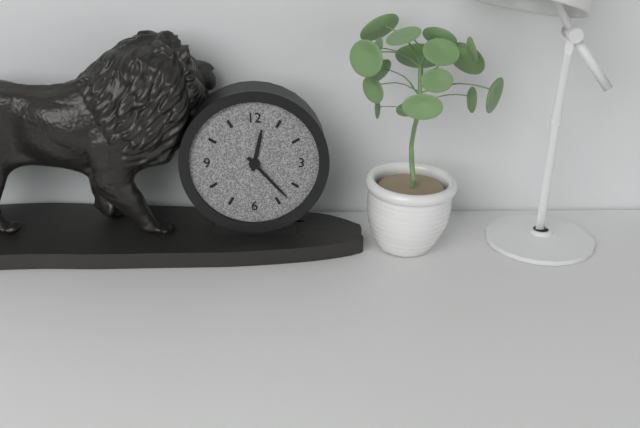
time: **12:23**
